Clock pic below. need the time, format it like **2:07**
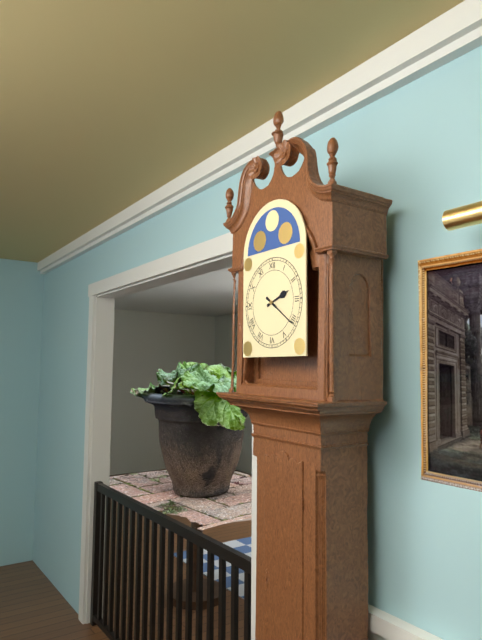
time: **2:21**
